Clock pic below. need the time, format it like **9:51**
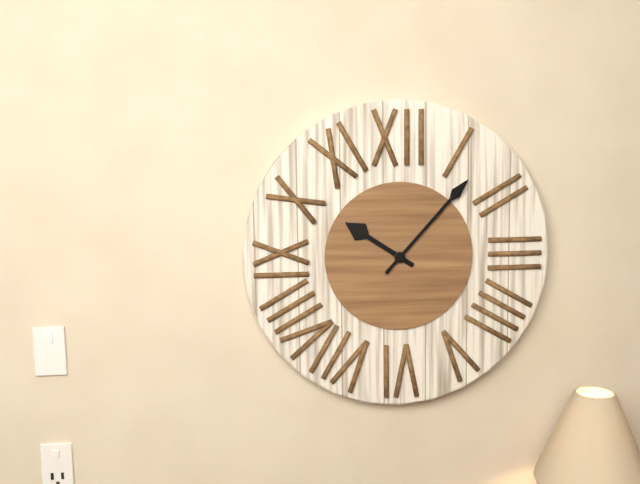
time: **10:07**
